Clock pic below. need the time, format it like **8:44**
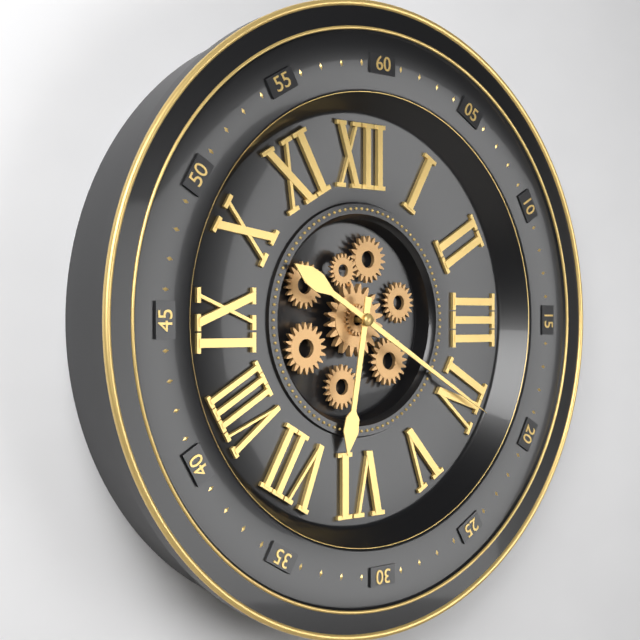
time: **6:20**
